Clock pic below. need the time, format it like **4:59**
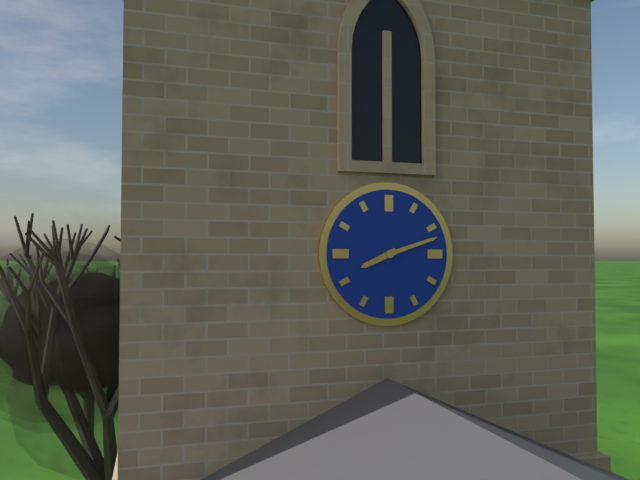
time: **8:12**
